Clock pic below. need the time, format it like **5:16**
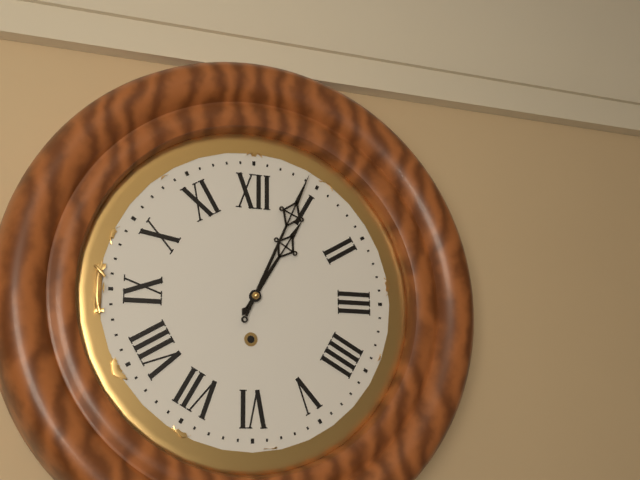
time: **1:04**
